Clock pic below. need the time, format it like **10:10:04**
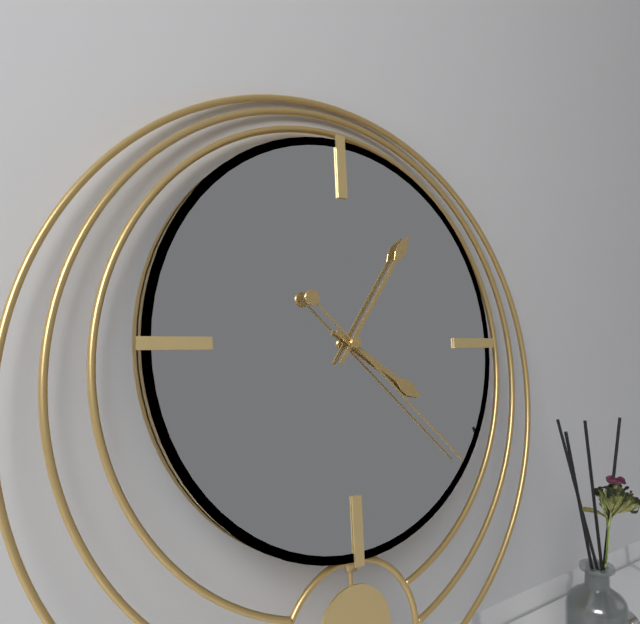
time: **4:06:22**
